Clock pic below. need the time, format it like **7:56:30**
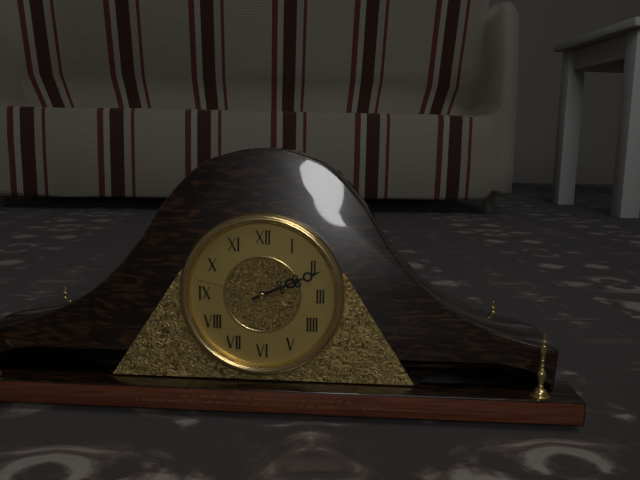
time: **2:11:47**
